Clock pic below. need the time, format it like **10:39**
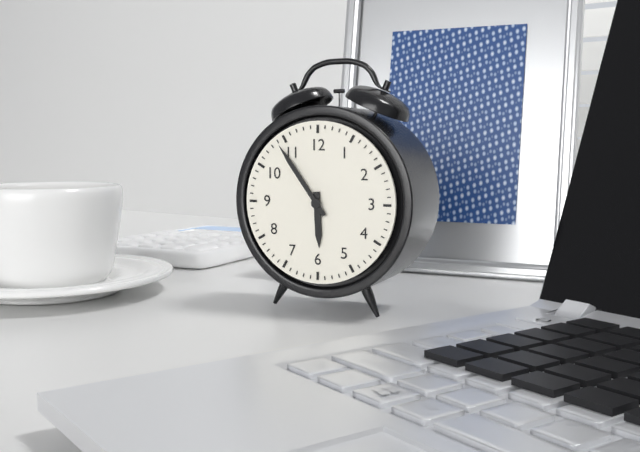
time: **5:54**
